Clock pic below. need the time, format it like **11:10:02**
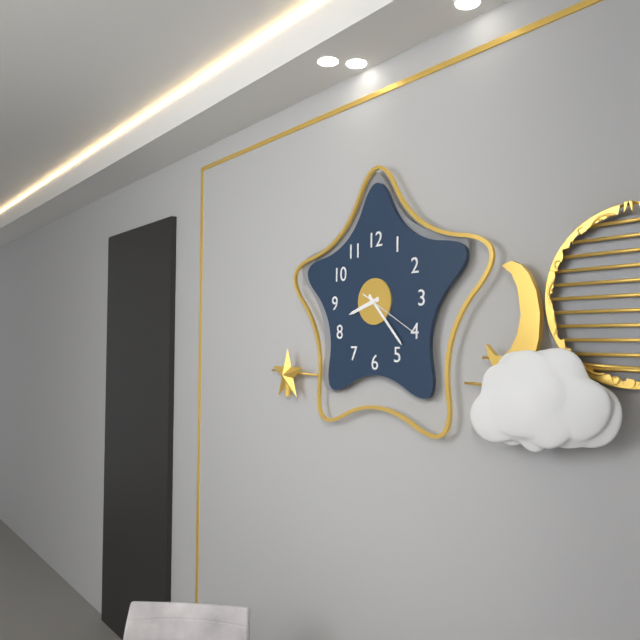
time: **8:23:20**
